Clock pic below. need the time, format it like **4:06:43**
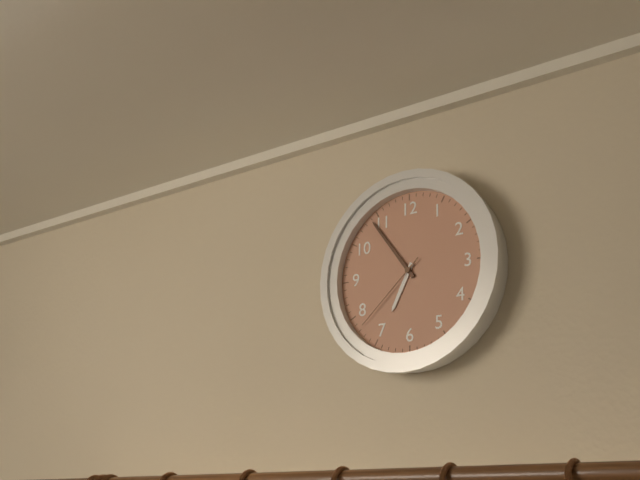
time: **6:54:38**
